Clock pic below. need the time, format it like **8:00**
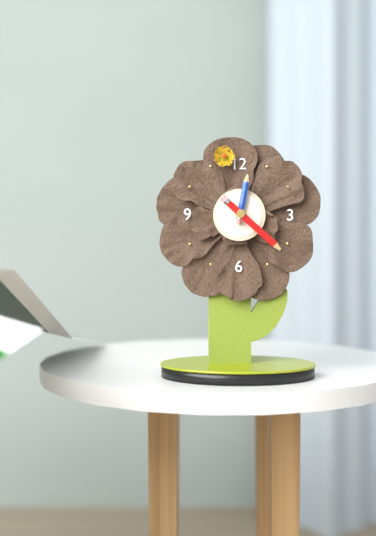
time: **12:22**
